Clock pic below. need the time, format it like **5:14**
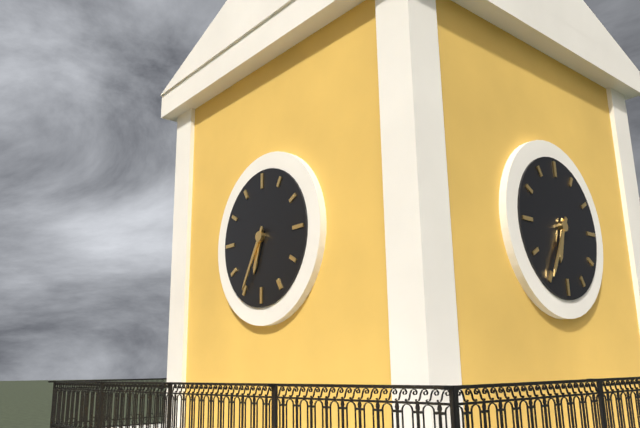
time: **6:35**
